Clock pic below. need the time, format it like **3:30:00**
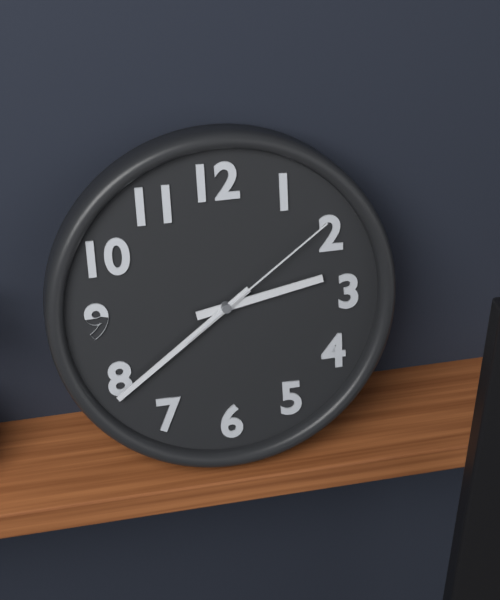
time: **2:39:09**
